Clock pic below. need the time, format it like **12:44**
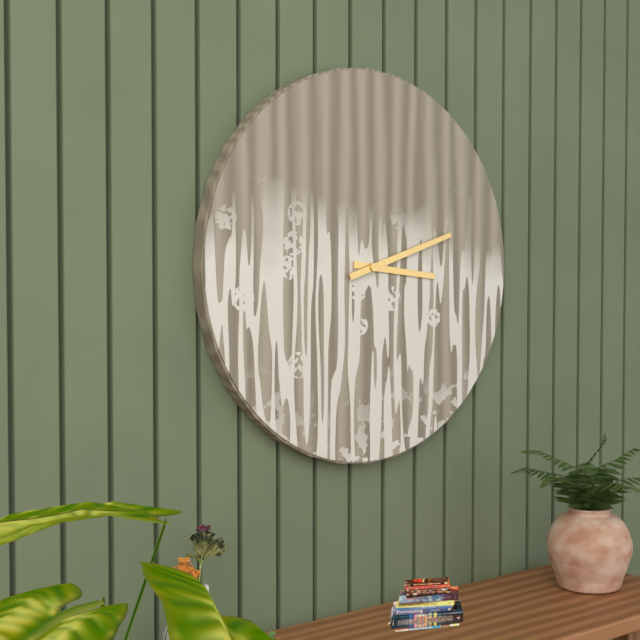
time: **3:12**
